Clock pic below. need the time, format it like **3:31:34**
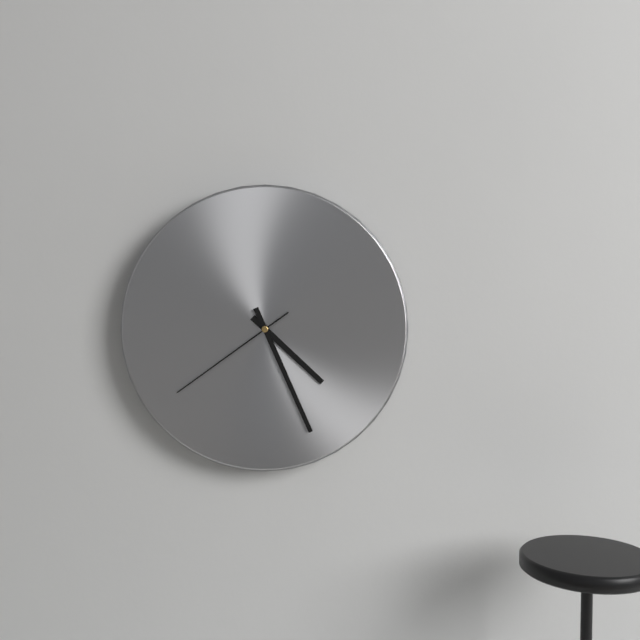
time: **4:26:39**
